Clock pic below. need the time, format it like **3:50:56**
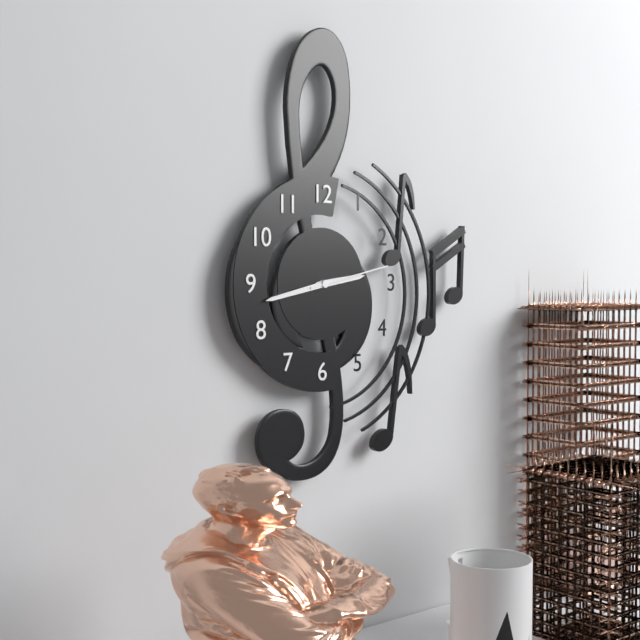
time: **2:43:13**
